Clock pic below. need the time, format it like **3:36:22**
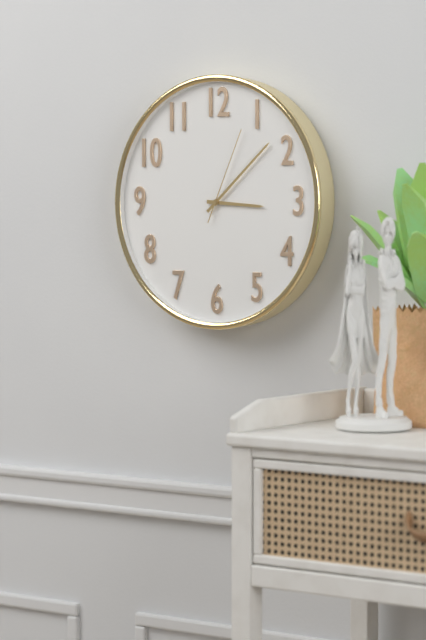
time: **3:08:04**
